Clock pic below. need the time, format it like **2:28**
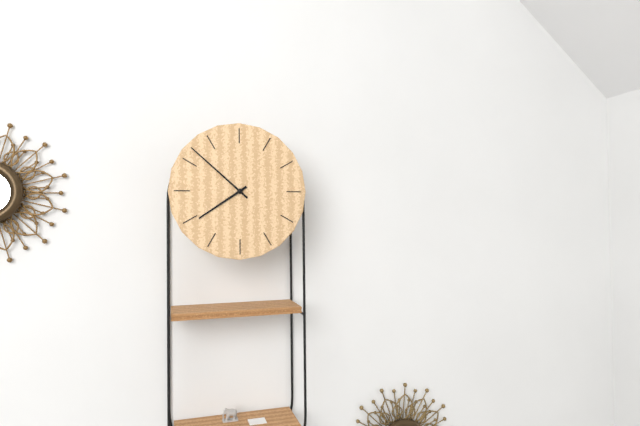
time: **7:52**
